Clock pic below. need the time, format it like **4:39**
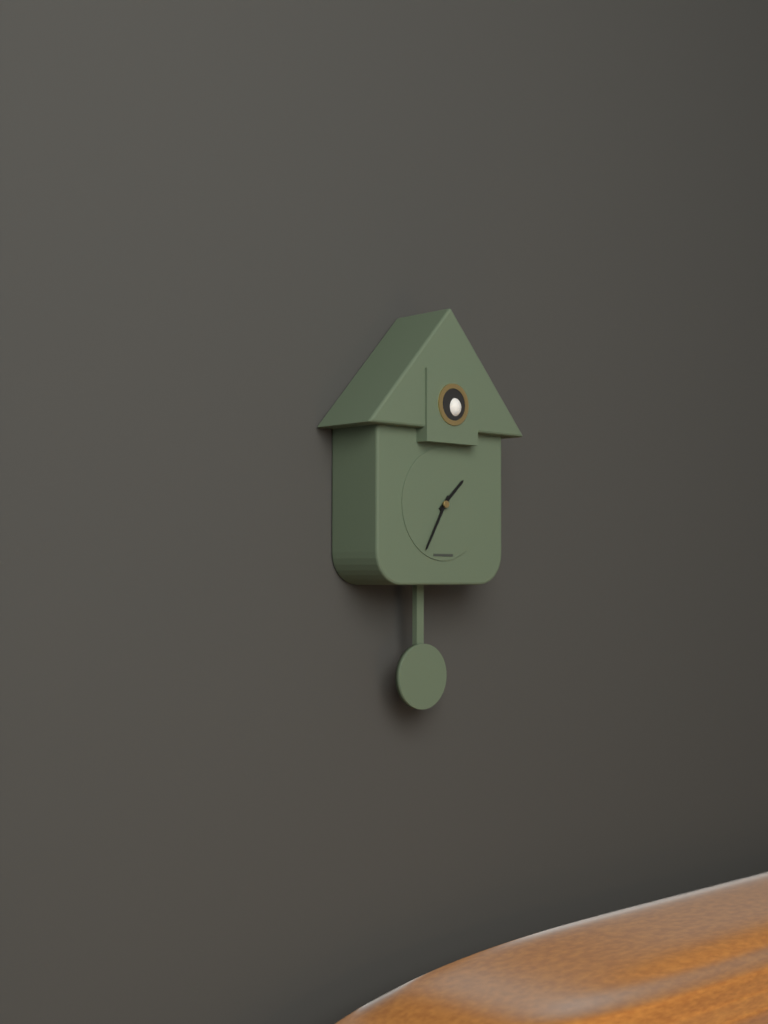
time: **1:35**
